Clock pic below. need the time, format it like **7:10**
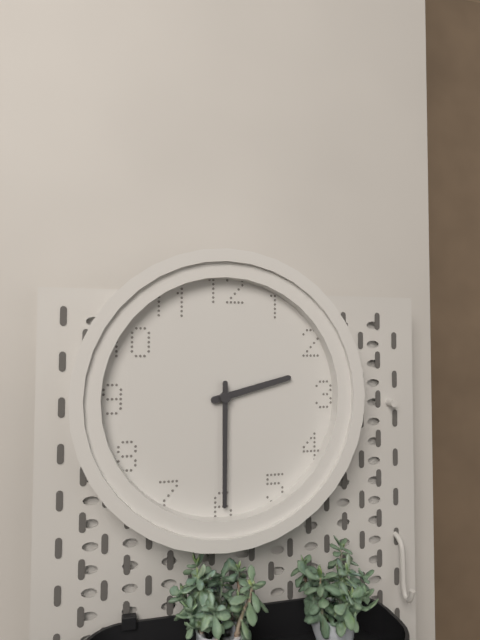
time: **2:30**
